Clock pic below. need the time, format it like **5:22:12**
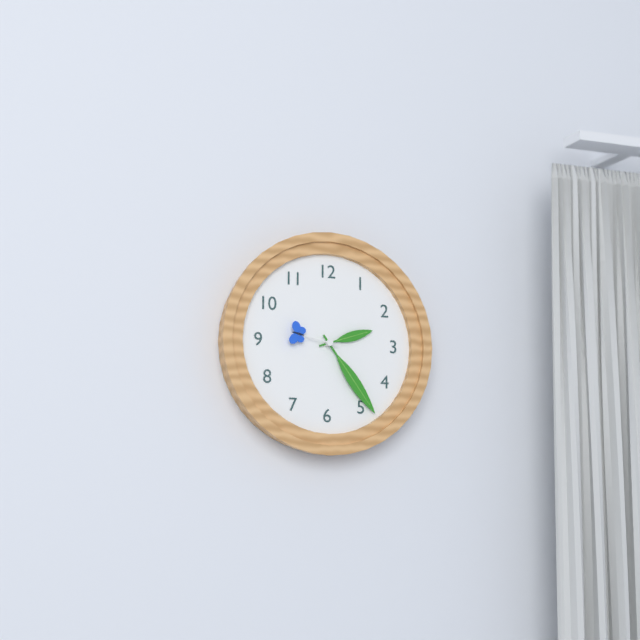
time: **2:24:47**
